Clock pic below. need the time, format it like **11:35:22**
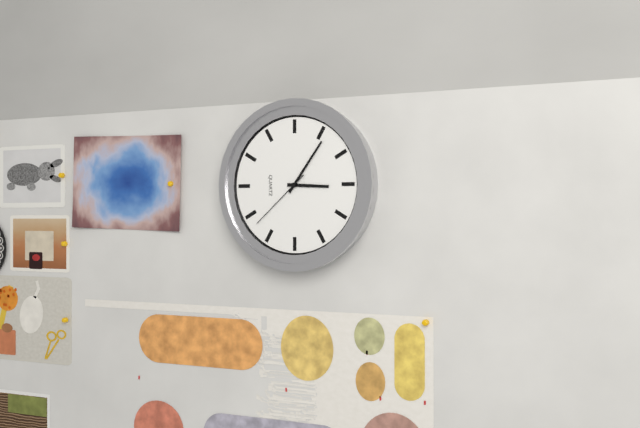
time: **3:06:38**
